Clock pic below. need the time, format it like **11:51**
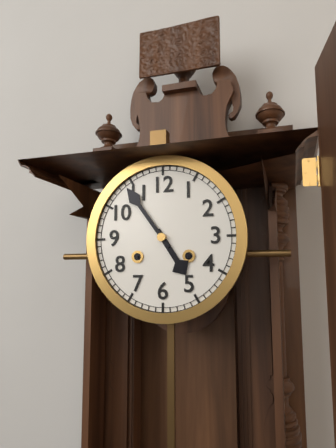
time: **4:54**
